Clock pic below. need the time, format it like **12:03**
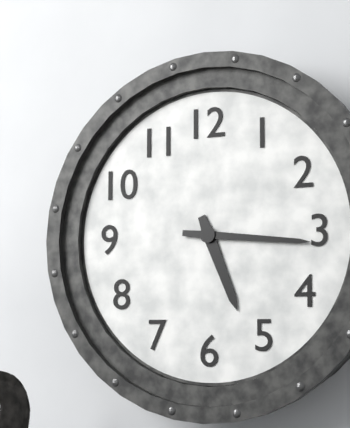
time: **5:16**
